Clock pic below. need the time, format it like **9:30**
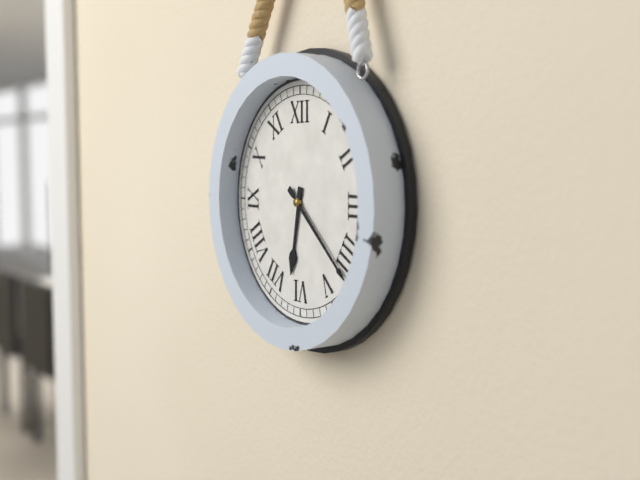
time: **6:22**
